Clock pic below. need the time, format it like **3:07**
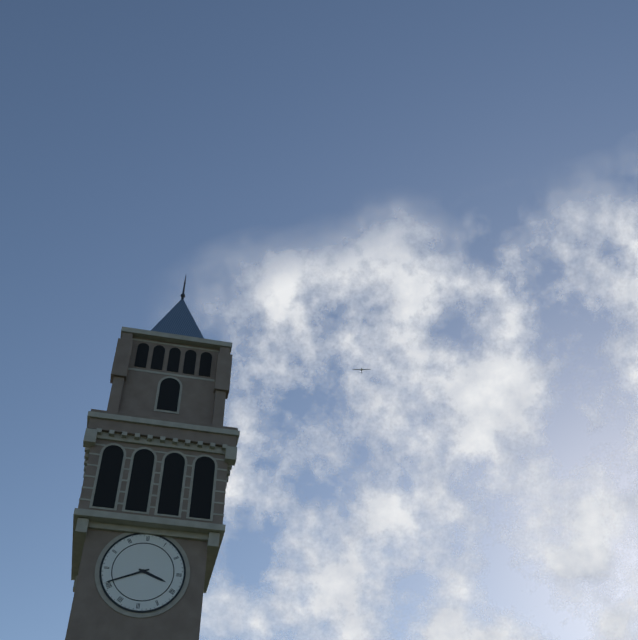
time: **3:41**
